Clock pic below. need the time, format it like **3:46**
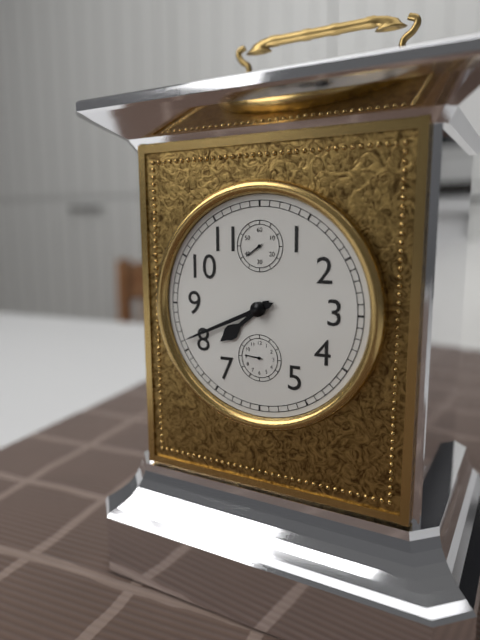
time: **7:41**
